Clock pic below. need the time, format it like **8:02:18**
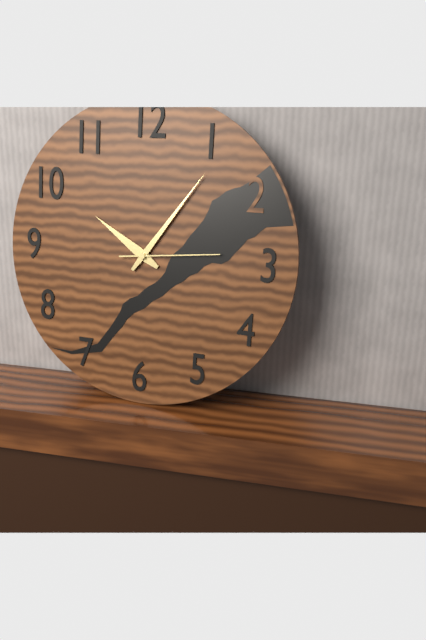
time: **10:06:14**
